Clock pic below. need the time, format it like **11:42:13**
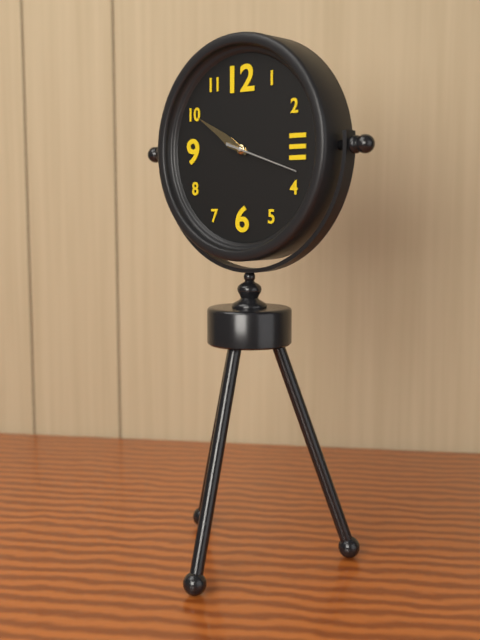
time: **9:50:18**
